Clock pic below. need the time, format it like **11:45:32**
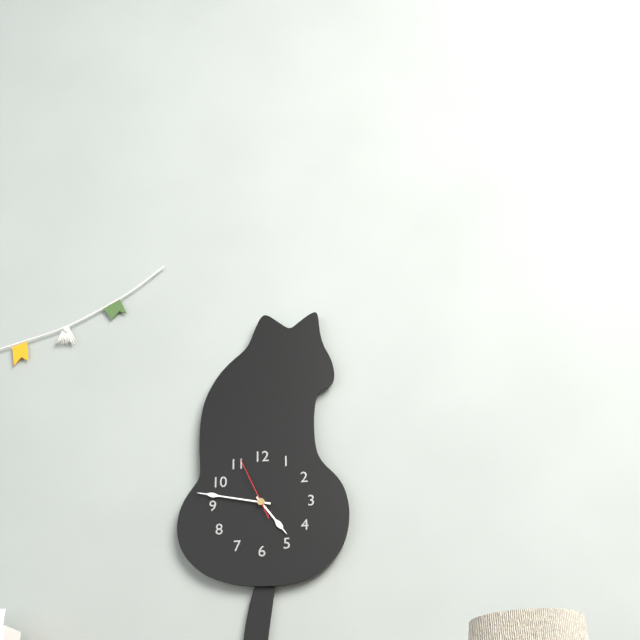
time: **4:47:56**
